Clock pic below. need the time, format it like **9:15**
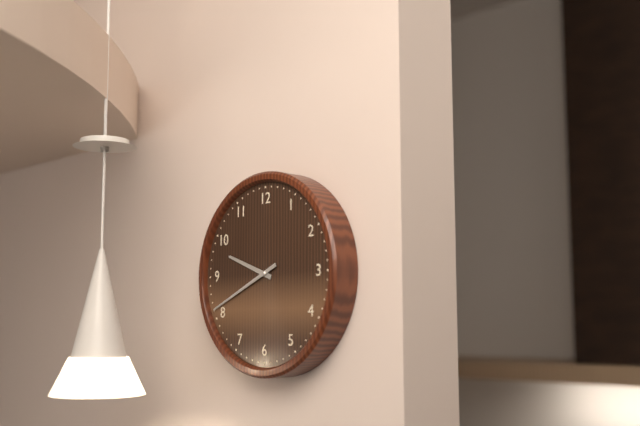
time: **9:41**
